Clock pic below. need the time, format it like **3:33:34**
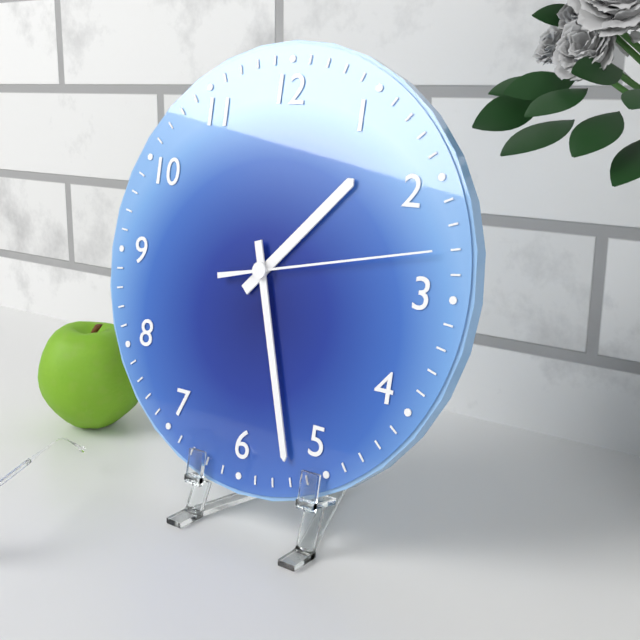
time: **1:27:13**
